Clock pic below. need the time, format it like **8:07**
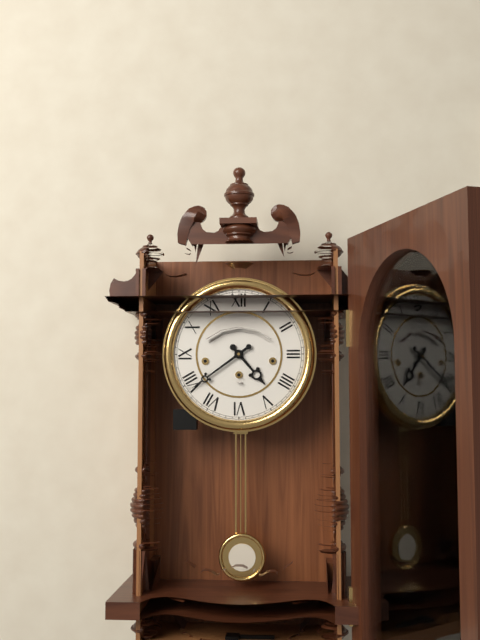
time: **4:39**
